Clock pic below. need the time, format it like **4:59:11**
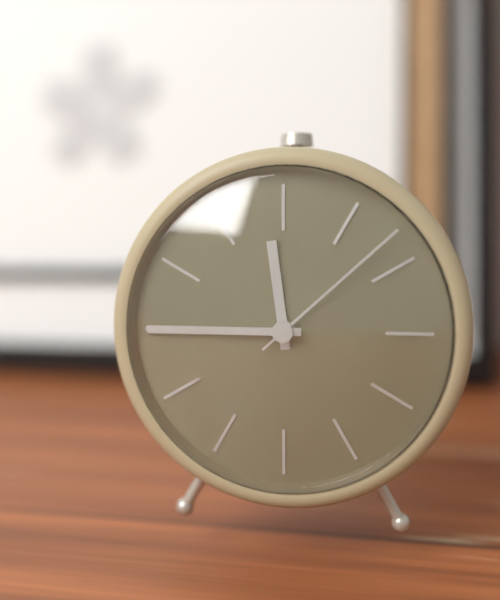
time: **11:45:08**
